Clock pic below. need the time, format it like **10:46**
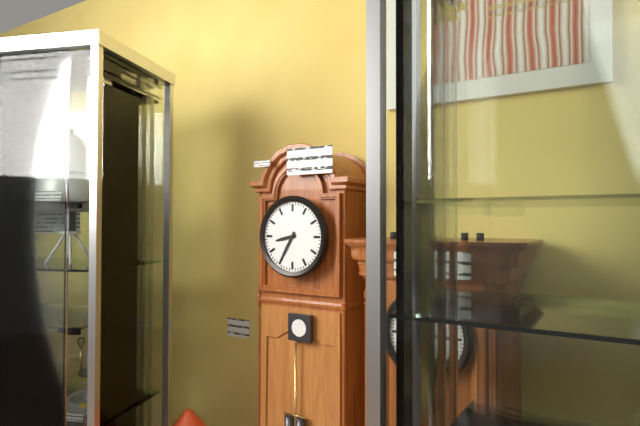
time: **8:35**
